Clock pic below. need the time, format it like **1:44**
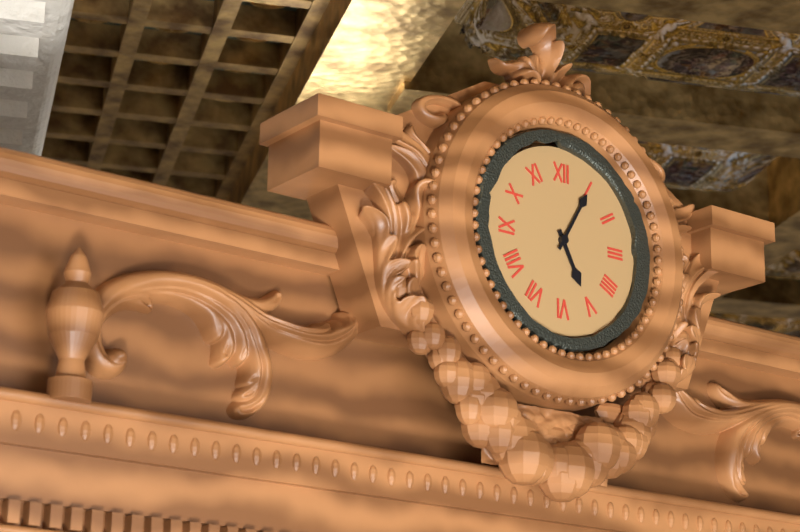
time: **5:05**
